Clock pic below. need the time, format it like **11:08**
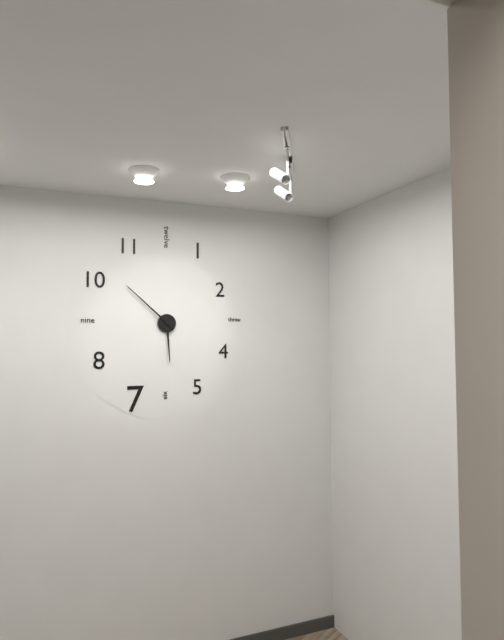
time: **5:52**
